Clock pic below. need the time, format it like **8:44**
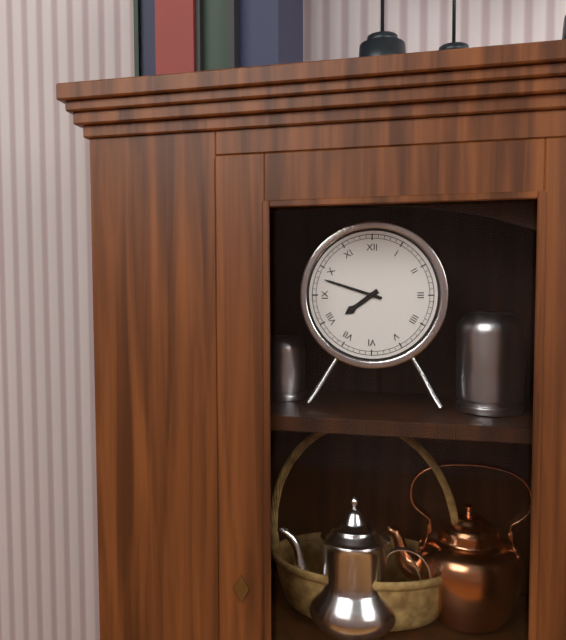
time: **7:48**
